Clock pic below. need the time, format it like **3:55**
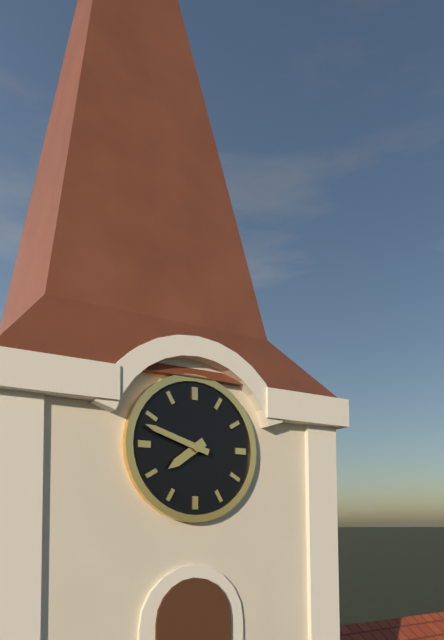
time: **7:48**
